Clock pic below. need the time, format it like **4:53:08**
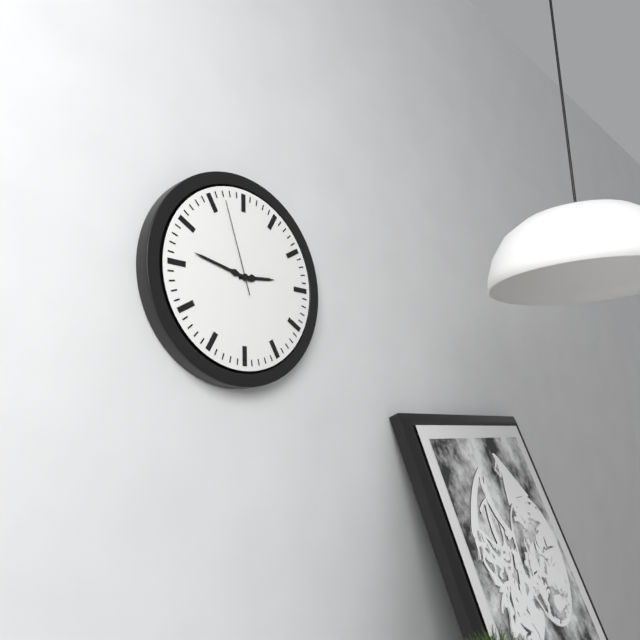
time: **2:47:57**
